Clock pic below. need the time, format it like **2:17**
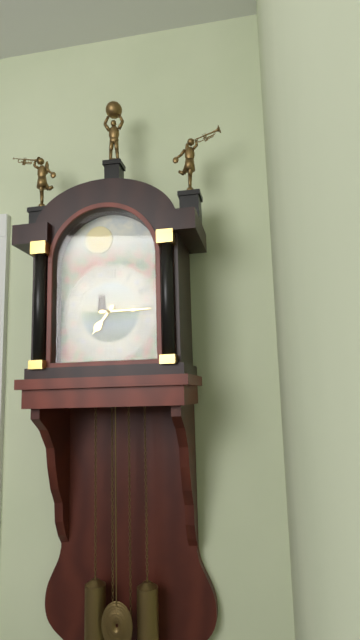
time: **7:15**
